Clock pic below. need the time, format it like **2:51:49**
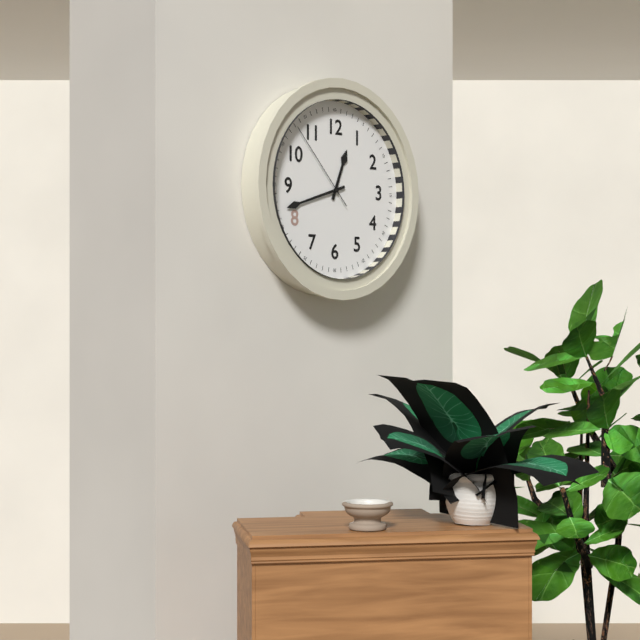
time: **12:42:53**
